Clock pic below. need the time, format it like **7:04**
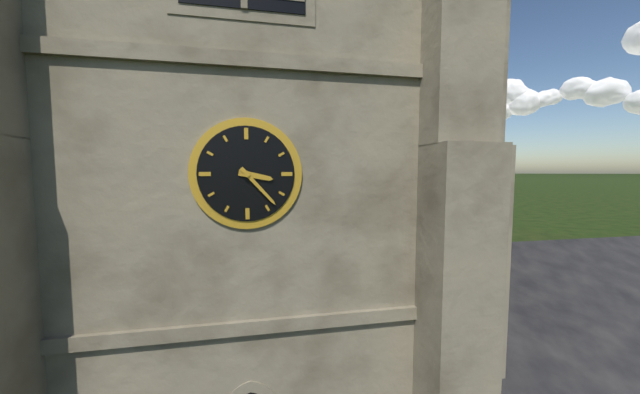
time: **3:23**
